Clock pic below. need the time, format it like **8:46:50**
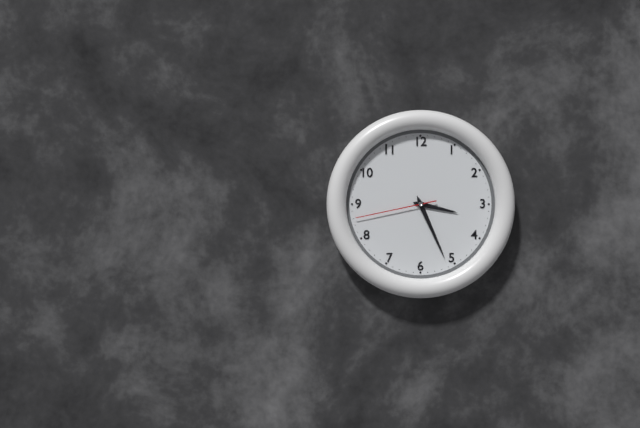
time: **3:26:43**
